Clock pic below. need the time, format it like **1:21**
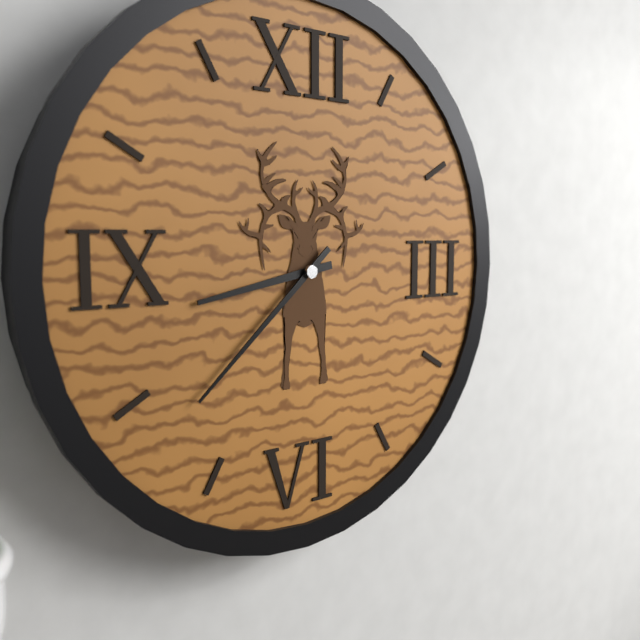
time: **8:38**
